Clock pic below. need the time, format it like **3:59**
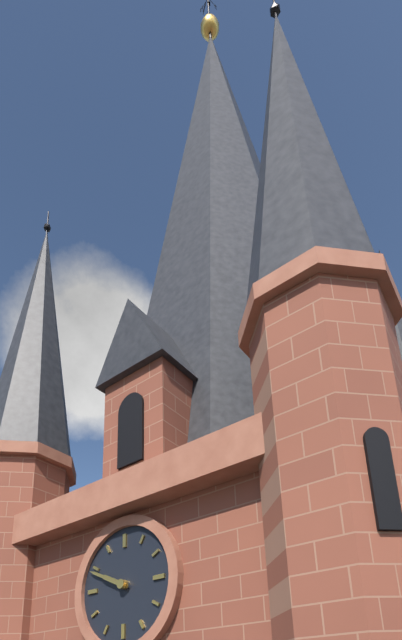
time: **9:49**
